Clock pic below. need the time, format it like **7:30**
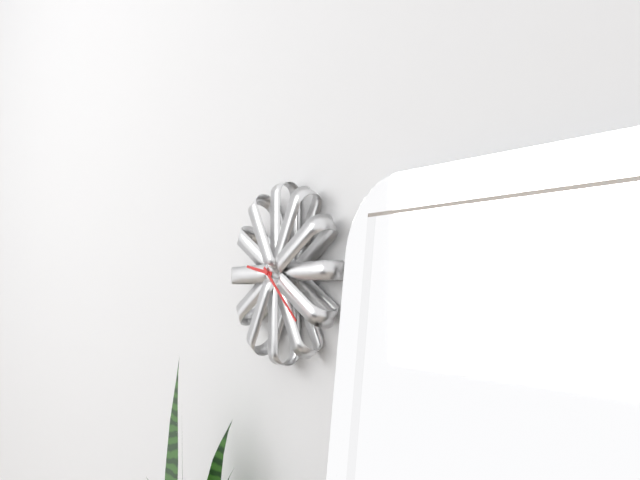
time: **9:22**
